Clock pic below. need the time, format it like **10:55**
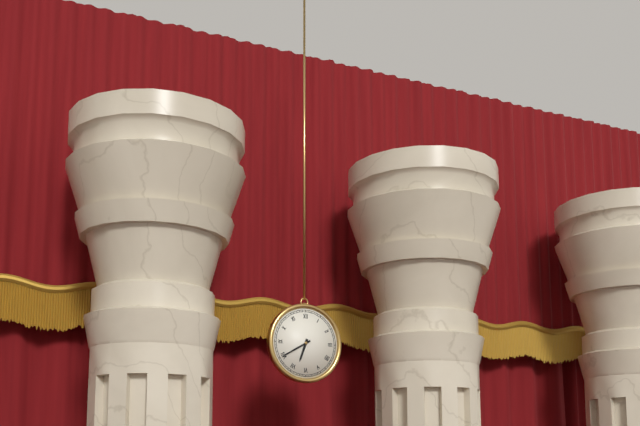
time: **6:40**
